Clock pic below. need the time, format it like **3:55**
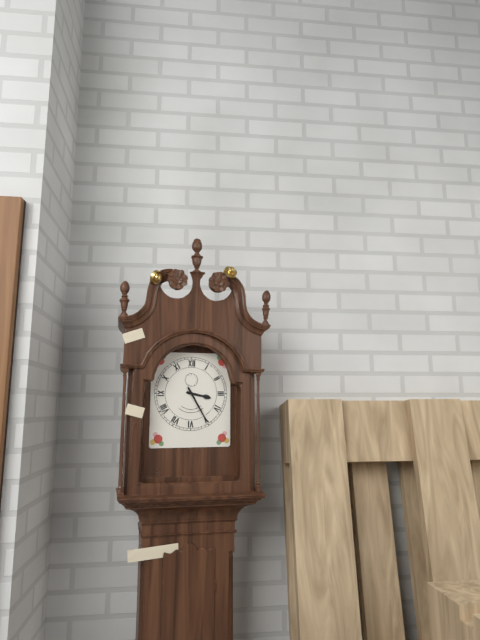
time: **3:25**
